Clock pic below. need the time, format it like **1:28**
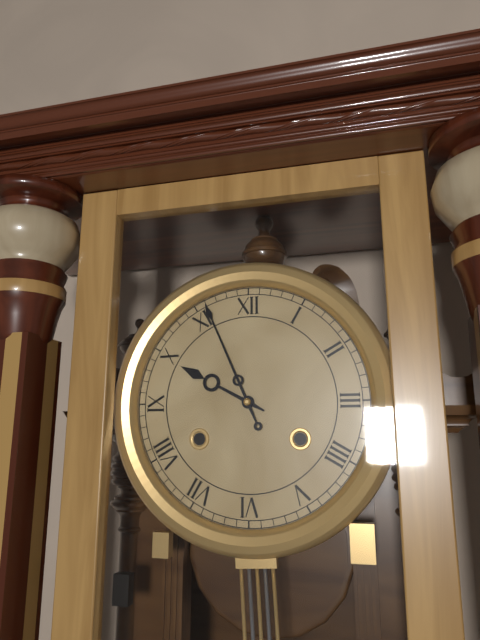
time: **9:56**
